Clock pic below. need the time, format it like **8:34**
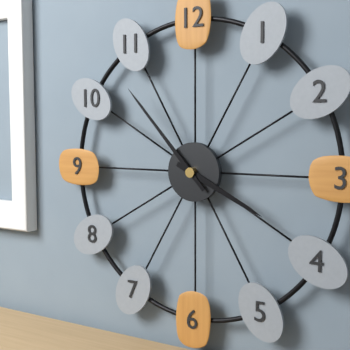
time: **3:53**
